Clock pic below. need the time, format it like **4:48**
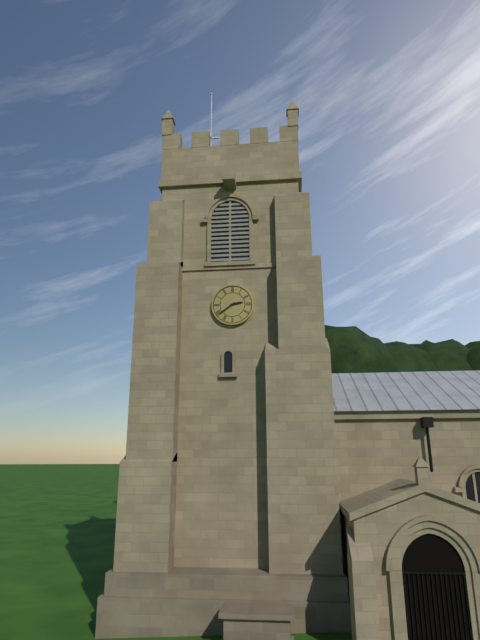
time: **2:39**
